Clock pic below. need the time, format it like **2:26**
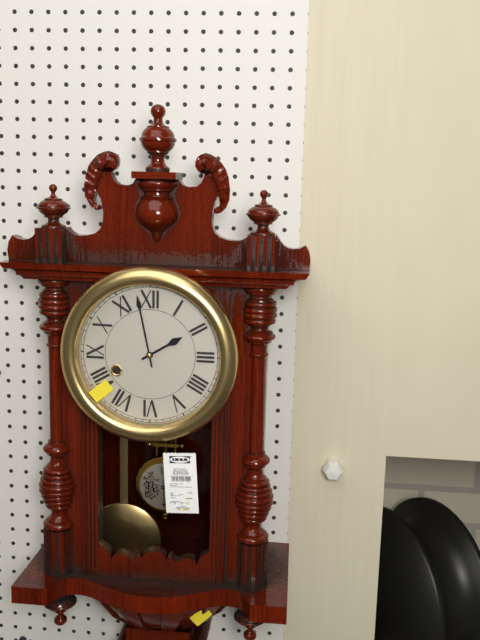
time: **1:58**
